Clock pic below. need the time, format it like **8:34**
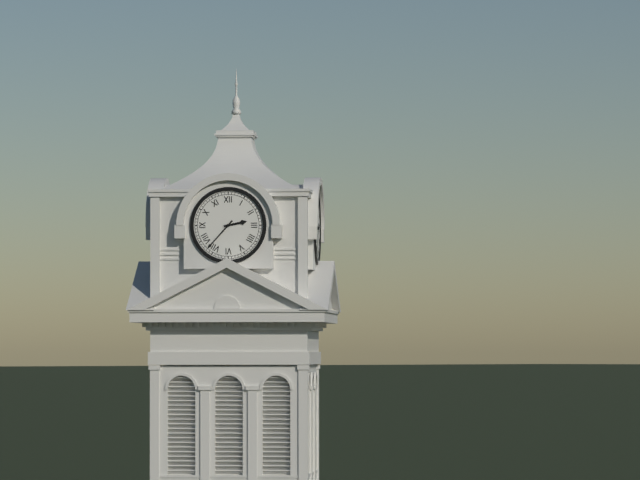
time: **2:37**
